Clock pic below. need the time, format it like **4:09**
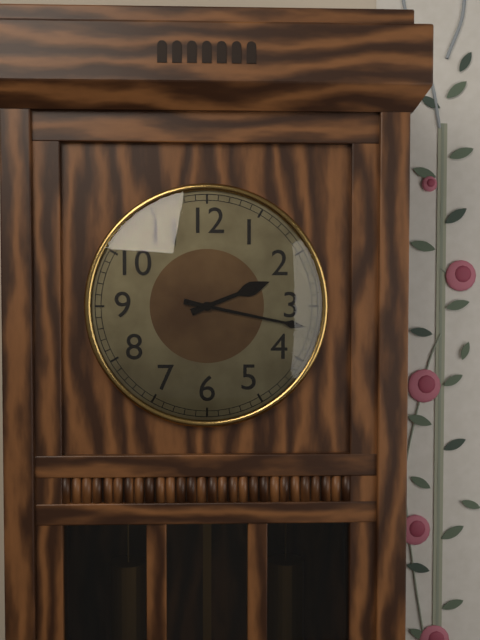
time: **2:17**
